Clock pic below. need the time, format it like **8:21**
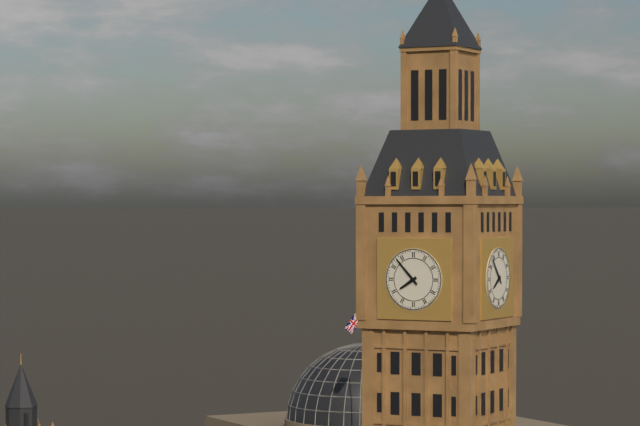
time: **7:53**
